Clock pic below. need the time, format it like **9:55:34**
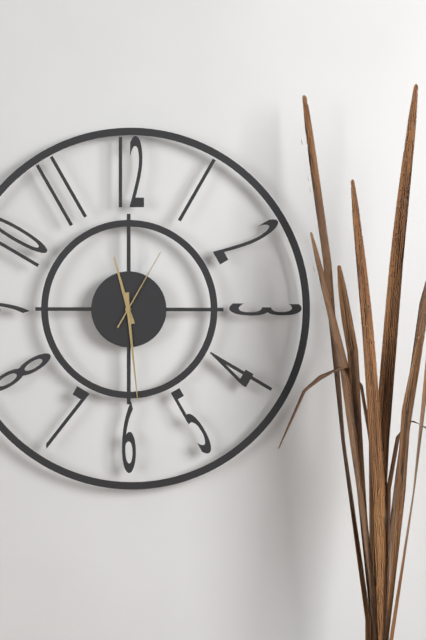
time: **11:29:05**
